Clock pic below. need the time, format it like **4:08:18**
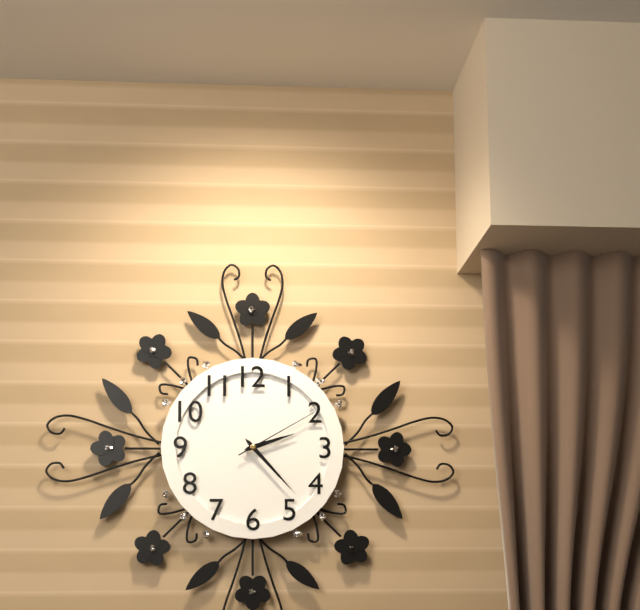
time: **2:23:10**
